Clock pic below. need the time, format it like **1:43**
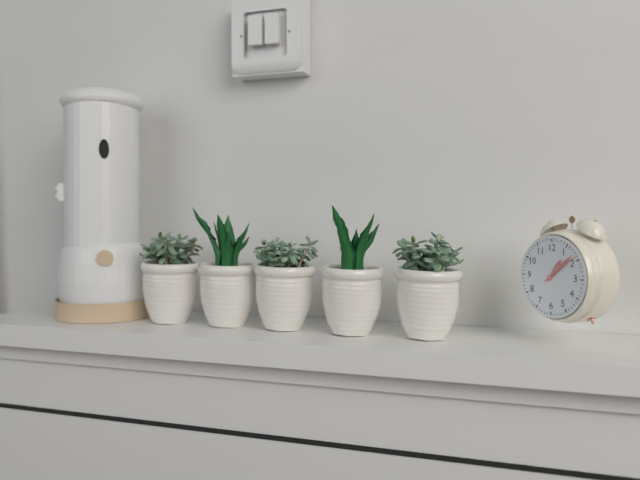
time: **1:08**
